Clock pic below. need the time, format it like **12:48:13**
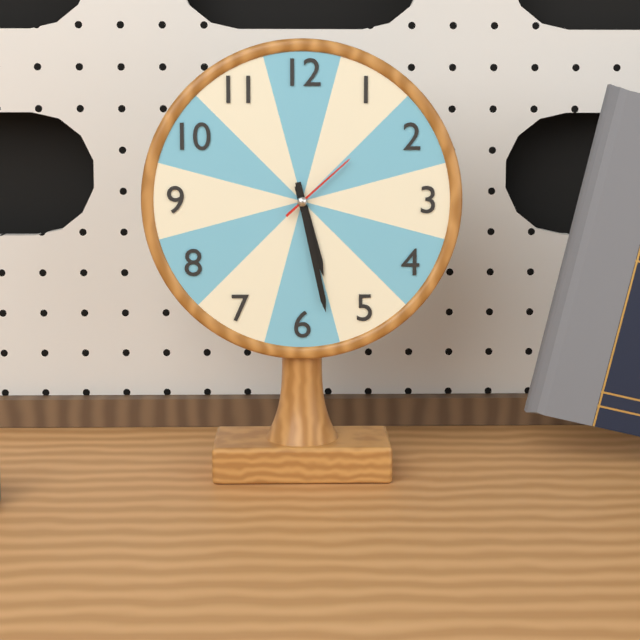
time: **5:28:08**
